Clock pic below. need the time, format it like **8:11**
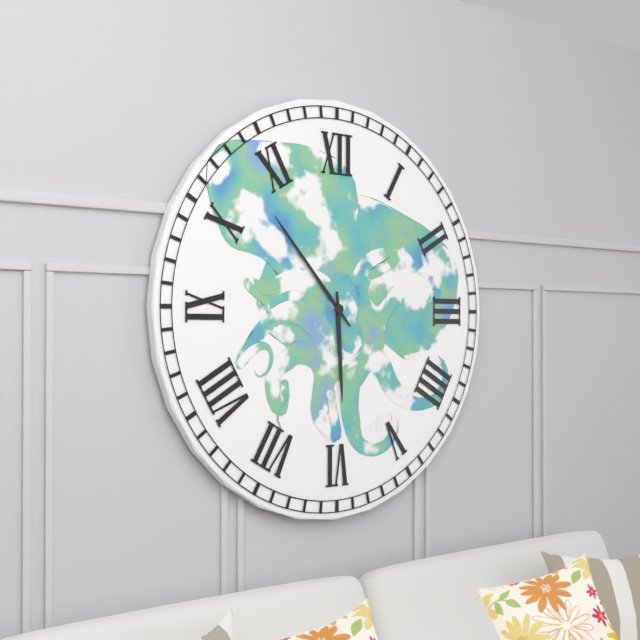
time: **5:53**
